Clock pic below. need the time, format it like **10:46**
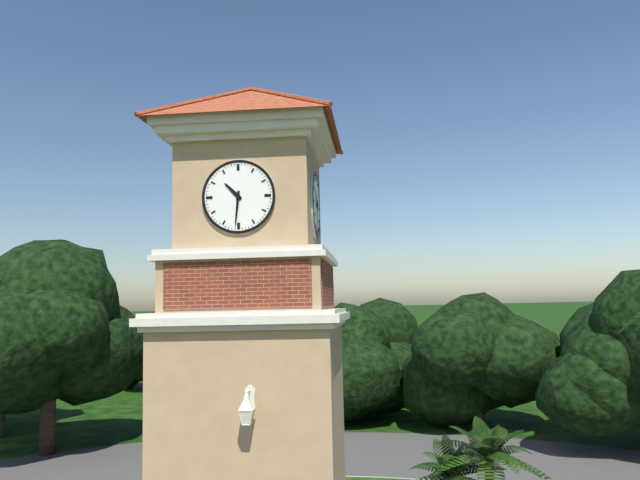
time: **10:31**
